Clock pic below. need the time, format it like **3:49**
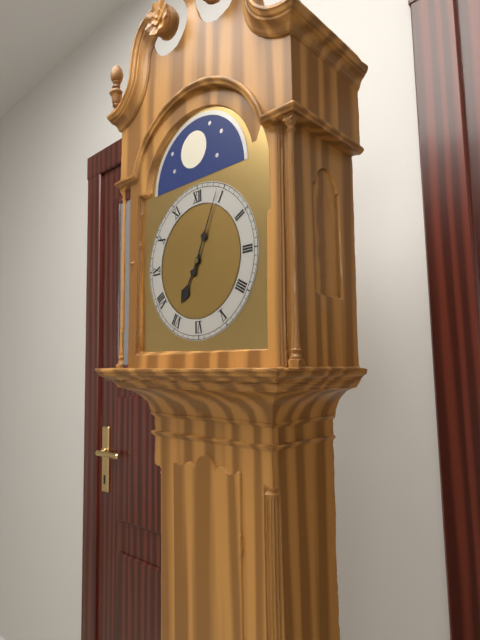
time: **7:04**
